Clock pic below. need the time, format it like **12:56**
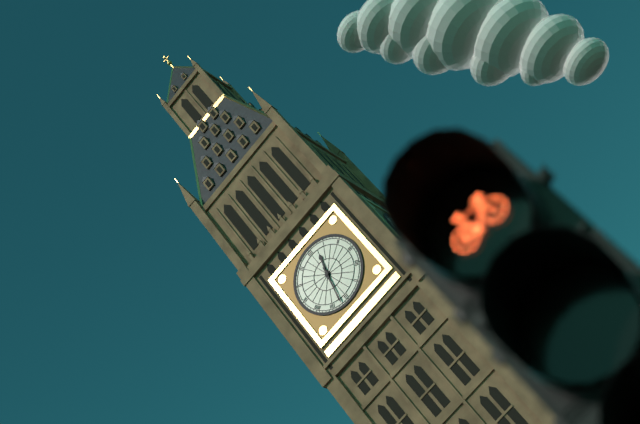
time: **12:32**
